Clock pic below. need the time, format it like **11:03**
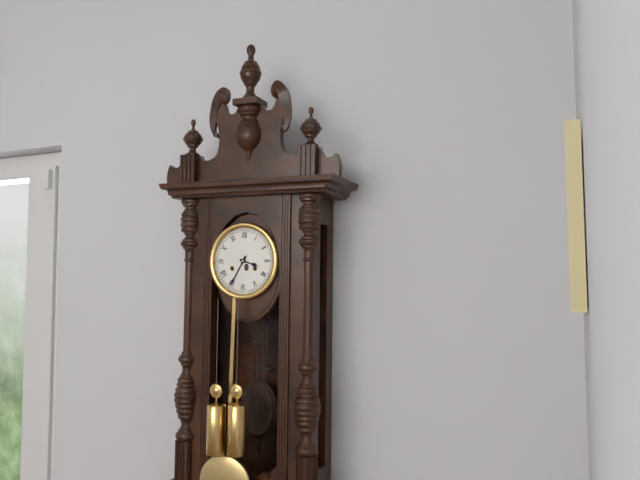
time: **3:35**
